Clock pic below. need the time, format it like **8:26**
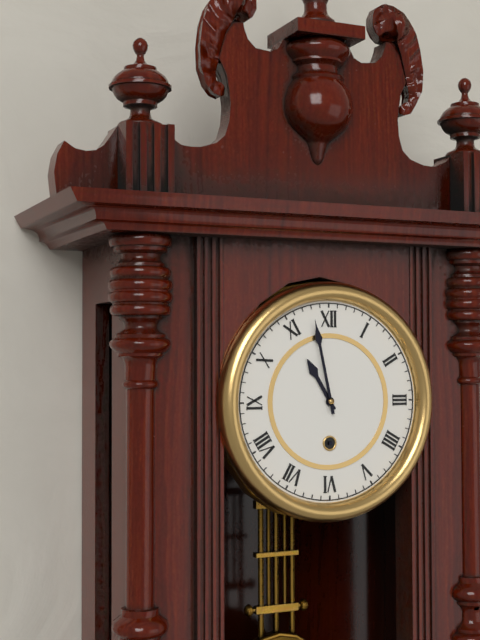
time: **10:58**
